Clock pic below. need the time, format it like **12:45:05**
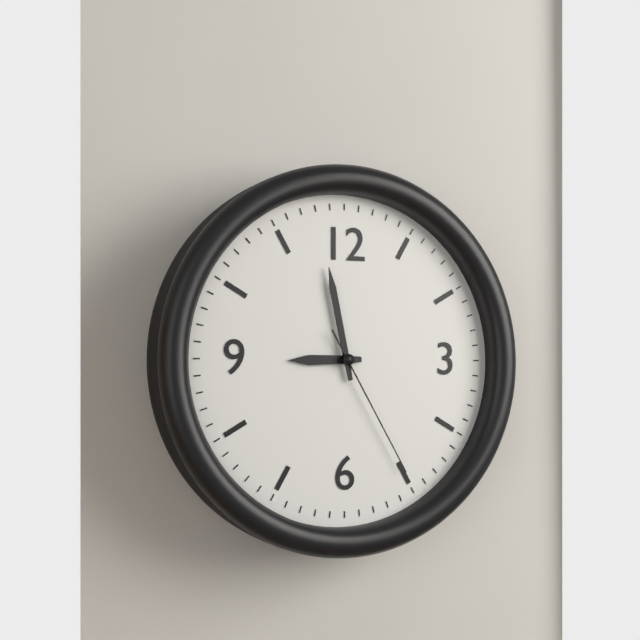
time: **8:58:25**
